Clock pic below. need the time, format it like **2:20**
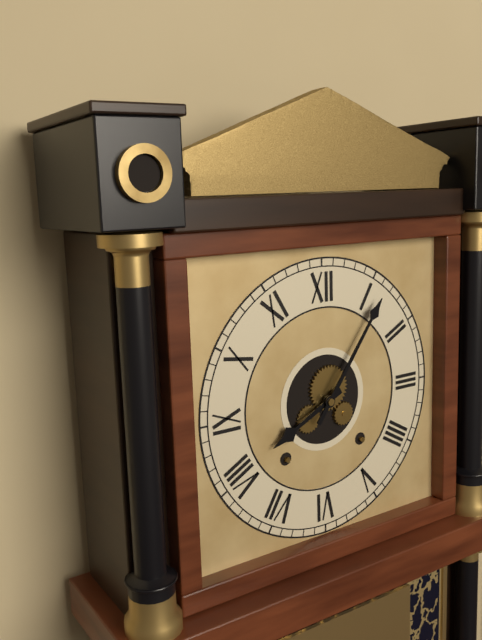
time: **8:06**
